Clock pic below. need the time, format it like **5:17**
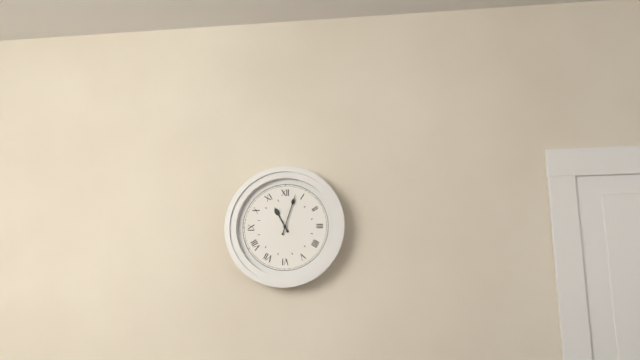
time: **11:03**
